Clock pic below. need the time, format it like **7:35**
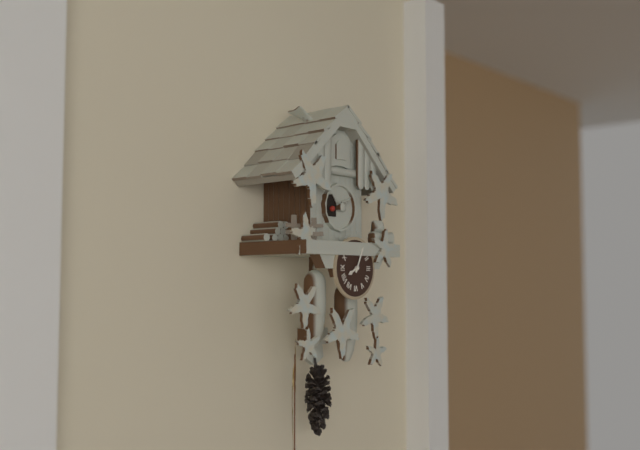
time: **8:04**
